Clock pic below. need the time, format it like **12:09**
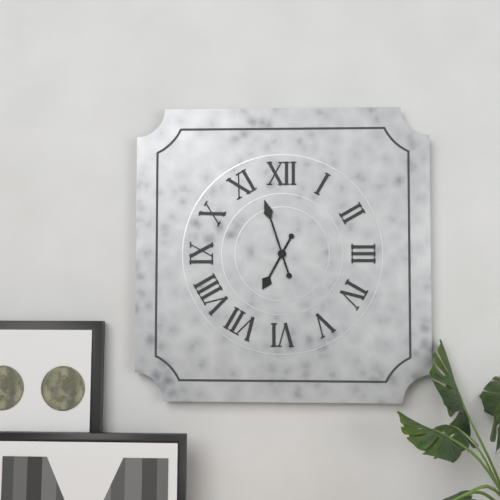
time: **6:57**
